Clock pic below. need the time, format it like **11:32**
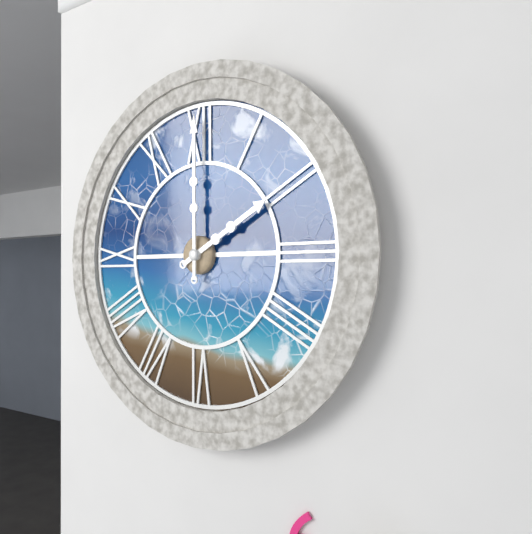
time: **2:00**
